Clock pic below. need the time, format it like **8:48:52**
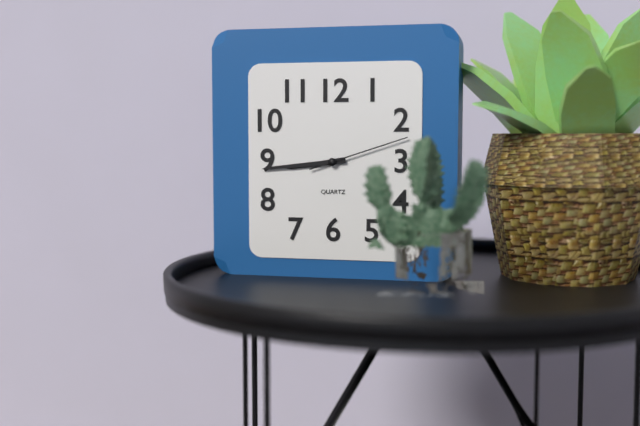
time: **8:44:12**
